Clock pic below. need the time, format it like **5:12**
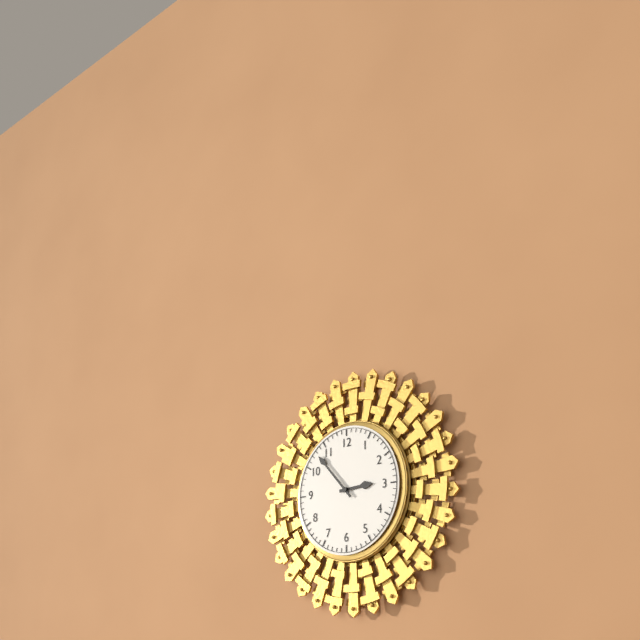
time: **2:53**
